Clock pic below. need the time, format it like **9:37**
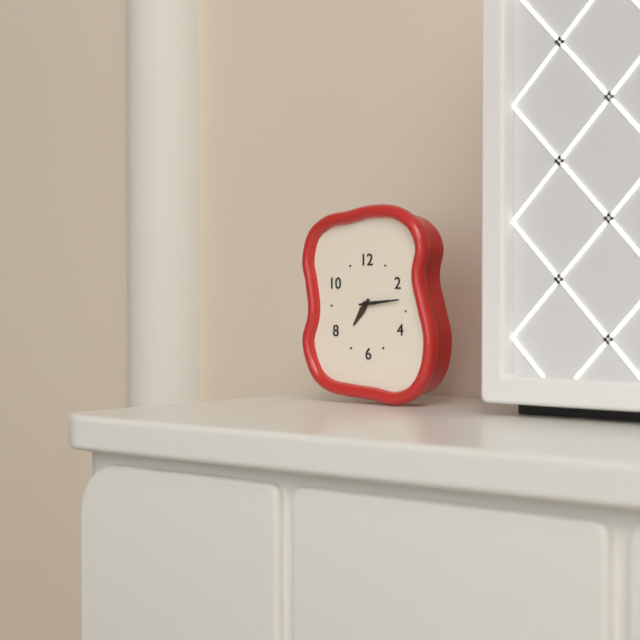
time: **7:14**
